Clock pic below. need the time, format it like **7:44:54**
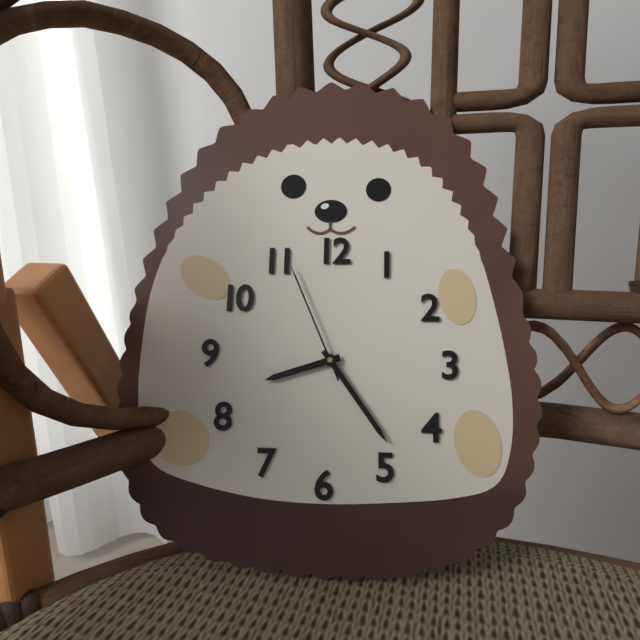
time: **8:24:56**
